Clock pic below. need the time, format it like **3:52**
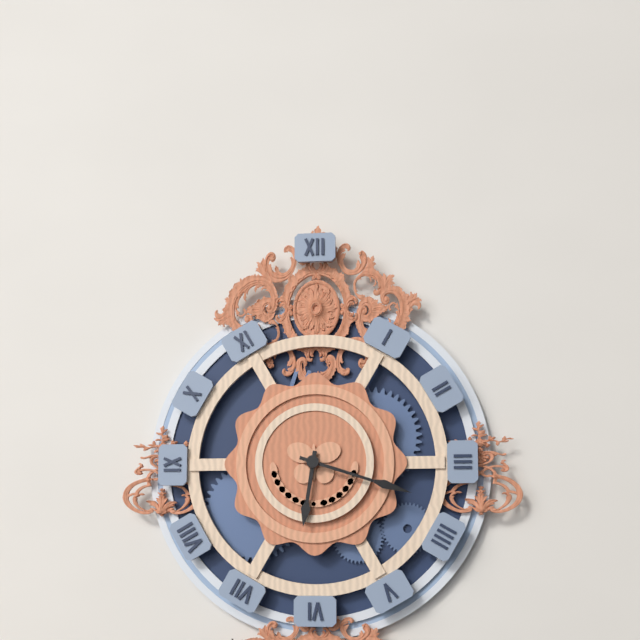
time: **6:18**
